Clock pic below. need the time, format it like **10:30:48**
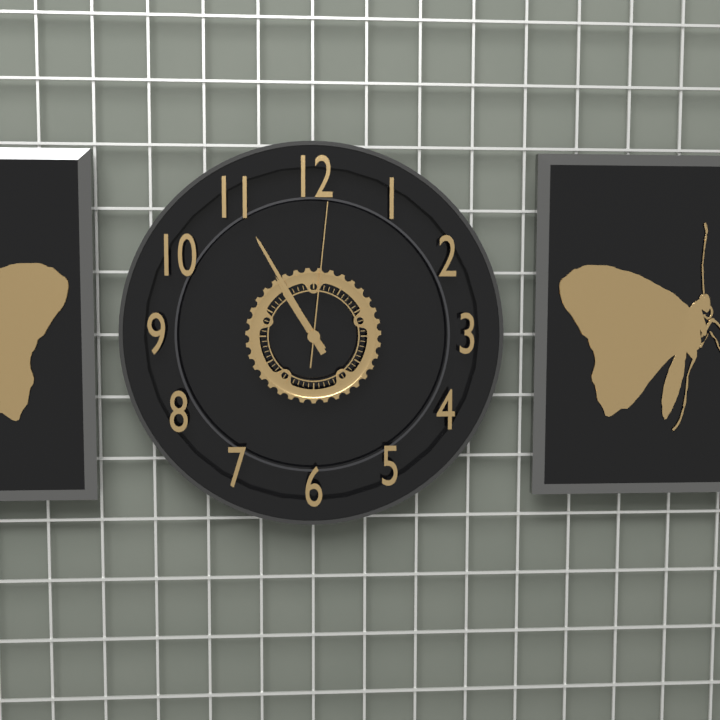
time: **10:55:01**
